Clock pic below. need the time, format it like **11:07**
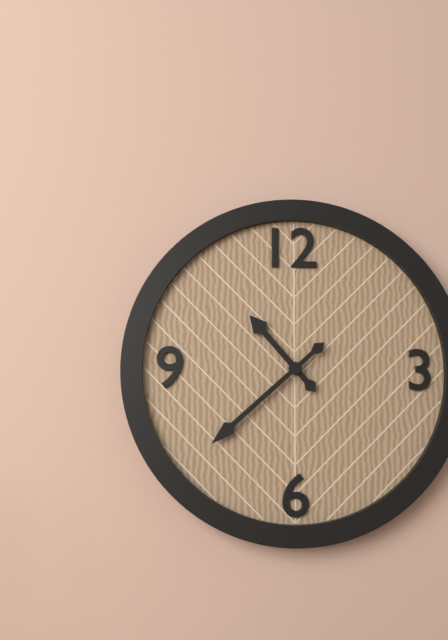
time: **10:38**
